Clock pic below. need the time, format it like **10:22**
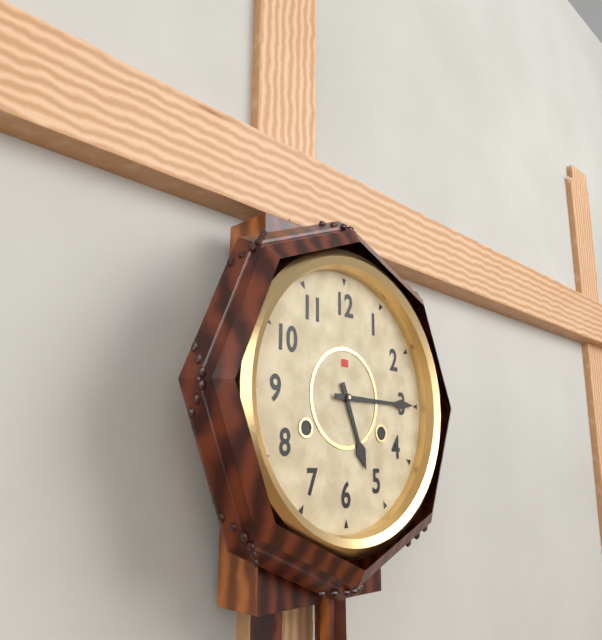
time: **5:15**
